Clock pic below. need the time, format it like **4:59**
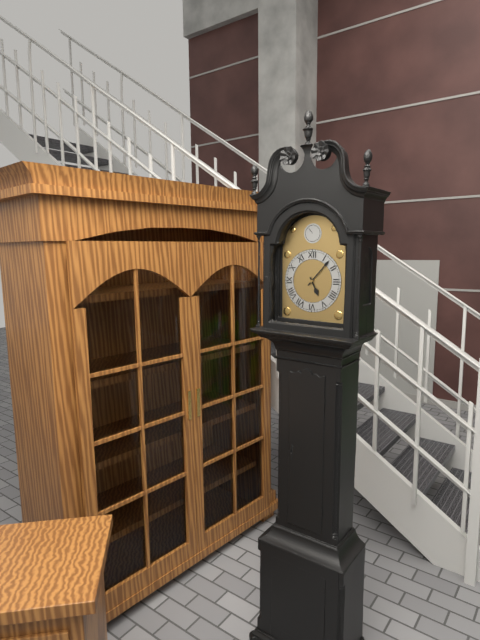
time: **5:07**
